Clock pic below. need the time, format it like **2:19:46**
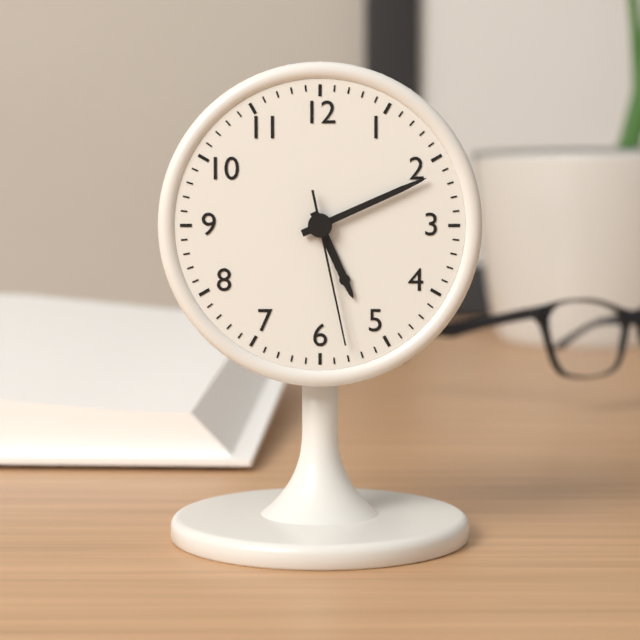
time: **5:11:28**
